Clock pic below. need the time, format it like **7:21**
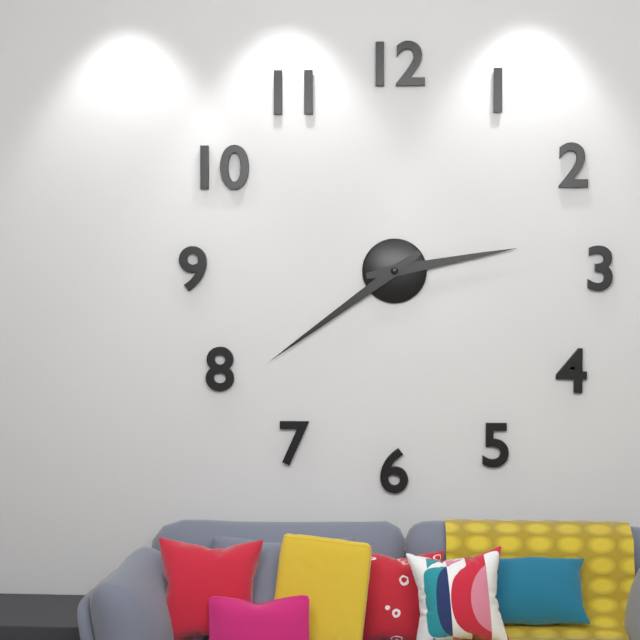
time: **2:39**
